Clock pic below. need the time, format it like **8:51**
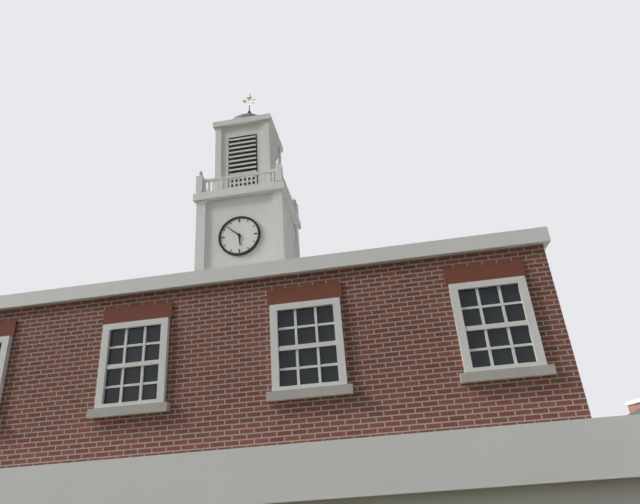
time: **5:52**
